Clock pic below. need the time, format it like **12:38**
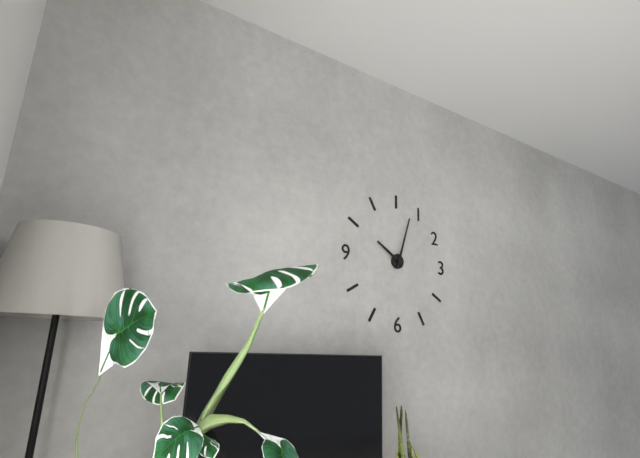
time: **10:03**
